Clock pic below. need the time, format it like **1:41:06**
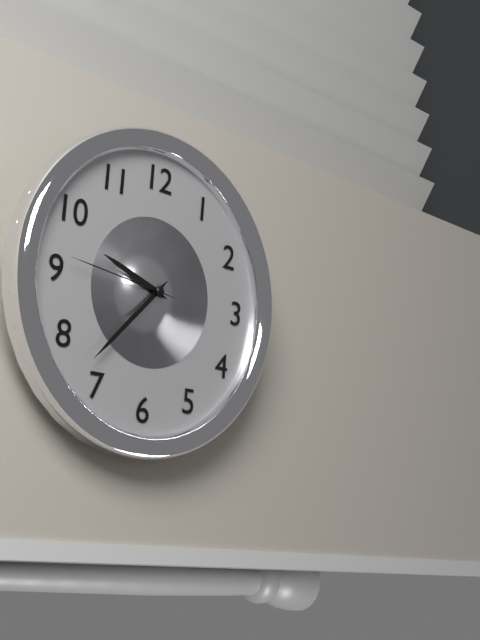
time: **9:37:46**
